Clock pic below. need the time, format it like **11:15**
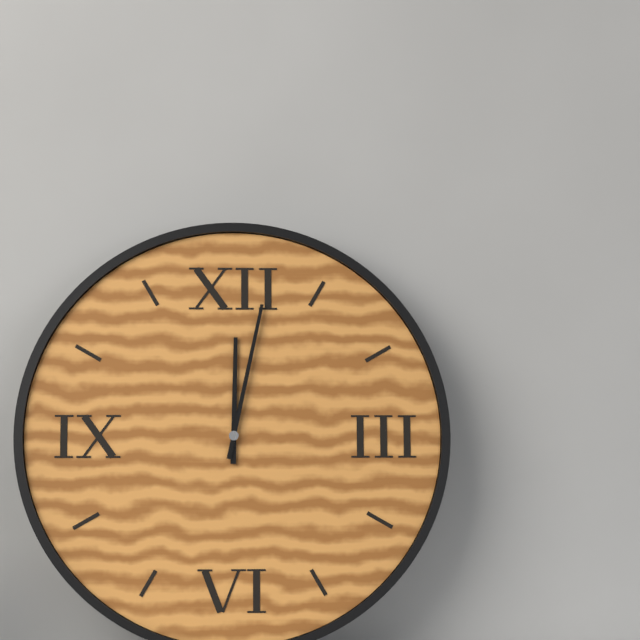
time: **12:02**
